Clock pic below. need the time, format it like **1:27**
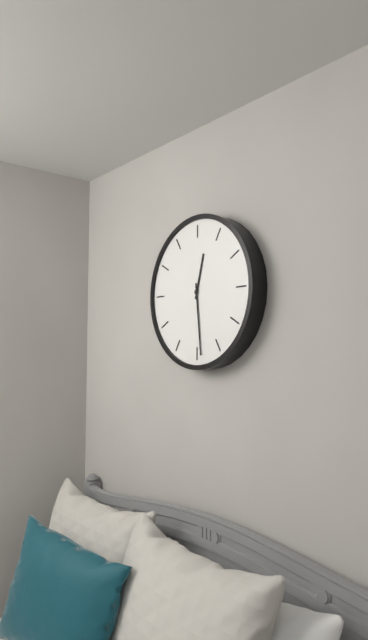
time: **12:29**
